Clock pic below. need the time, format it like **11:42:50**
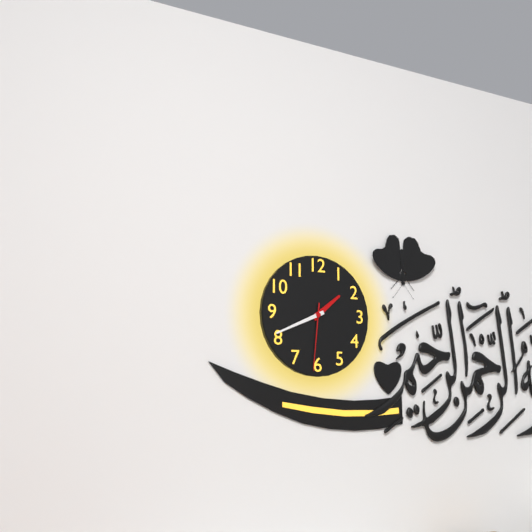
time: **1:41:31**
